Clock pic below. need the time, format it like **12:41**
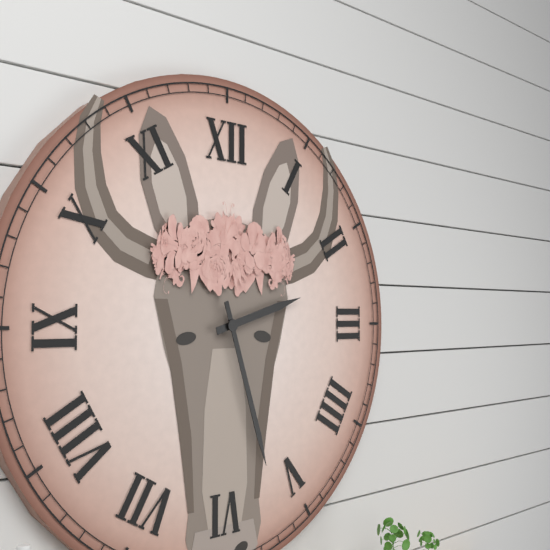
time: **2:27**
